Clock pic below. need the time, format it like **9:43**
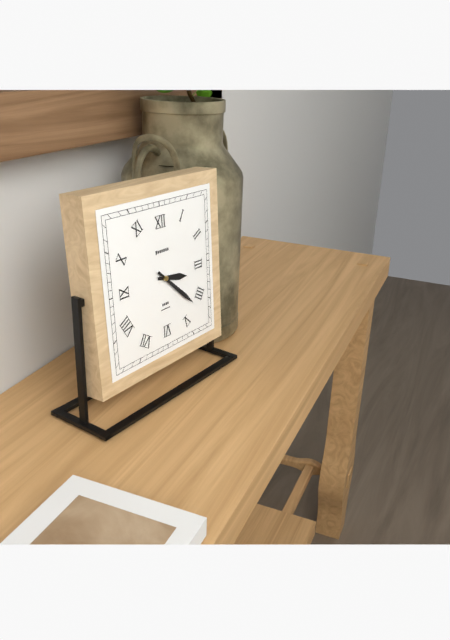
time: **3:22**
